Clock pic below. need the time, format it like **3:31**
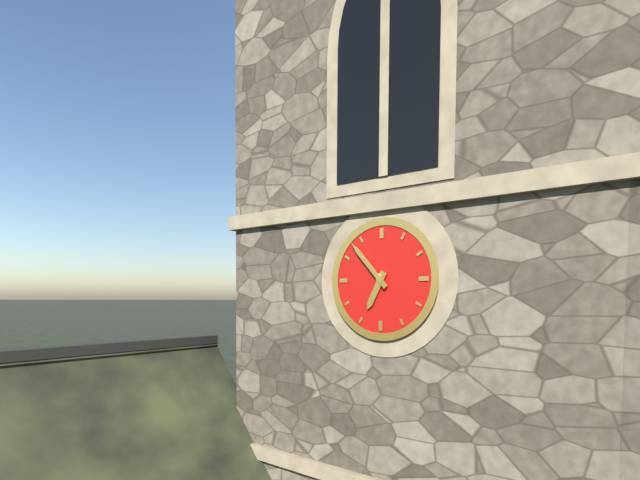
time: **6:53**
